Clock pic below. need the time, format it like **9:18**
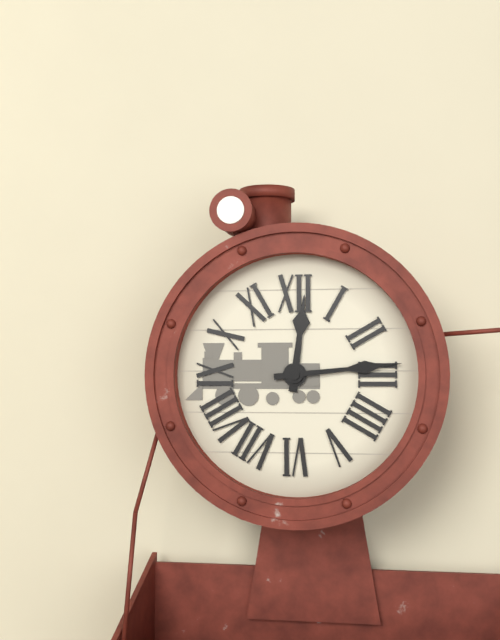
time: **12:14**
